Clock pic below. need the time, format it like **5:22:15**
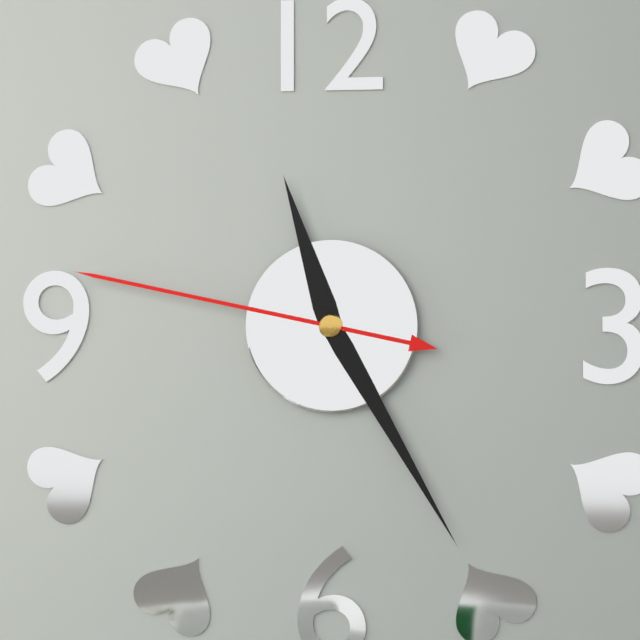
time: **11:25:47**
